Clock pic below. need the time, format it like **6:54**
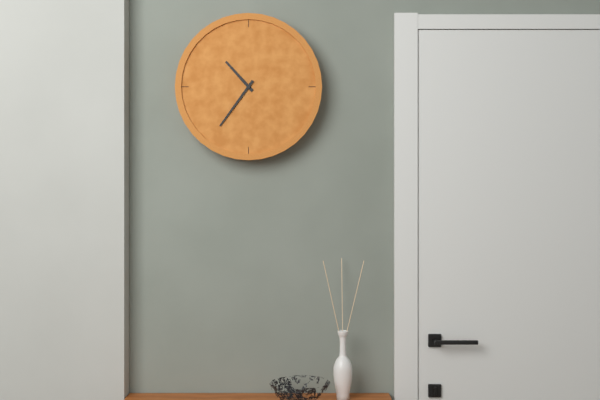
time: **10:36**
